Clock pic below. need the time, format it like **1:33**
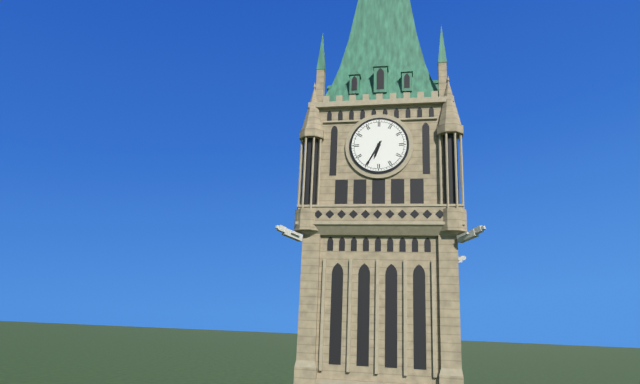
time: **6:35**
